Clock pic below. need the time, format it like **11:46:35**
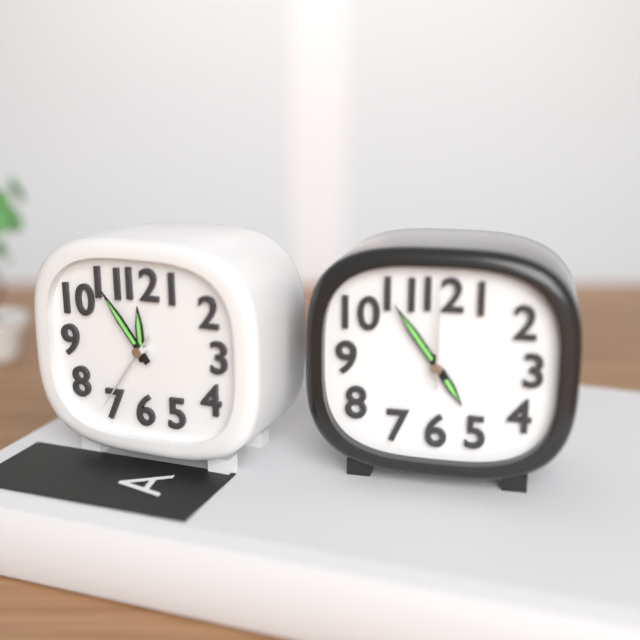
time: **11:54:36**
